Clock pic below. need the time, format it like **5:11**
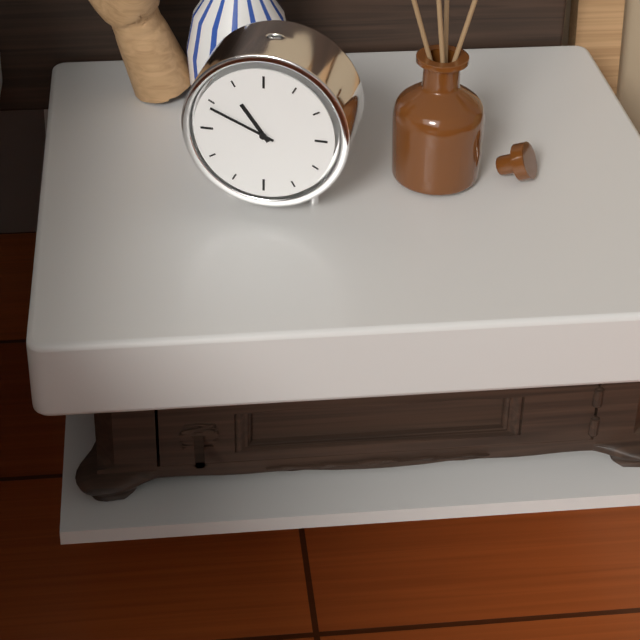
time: **10:49**
